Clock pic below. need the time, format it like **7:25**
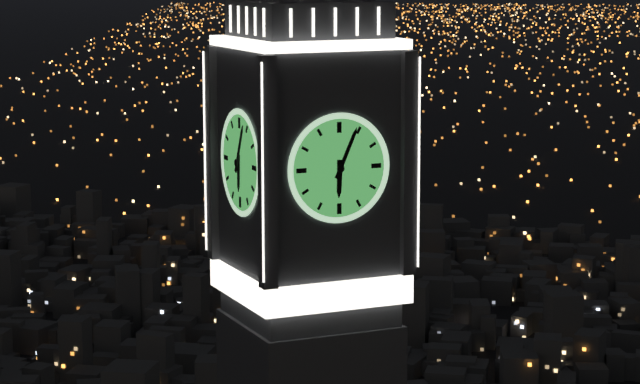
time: **6:04**
